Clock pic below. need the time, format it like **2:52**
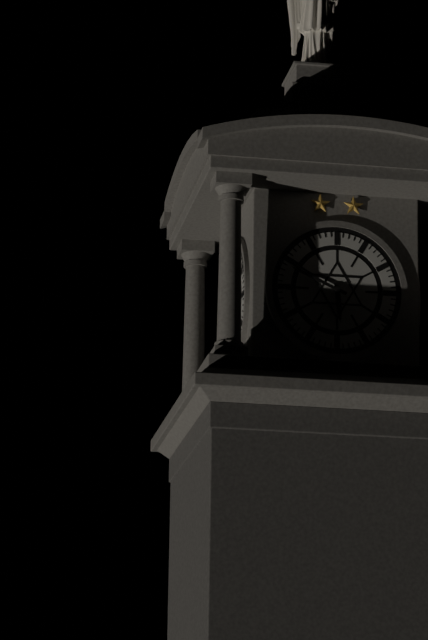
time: **5:49**
